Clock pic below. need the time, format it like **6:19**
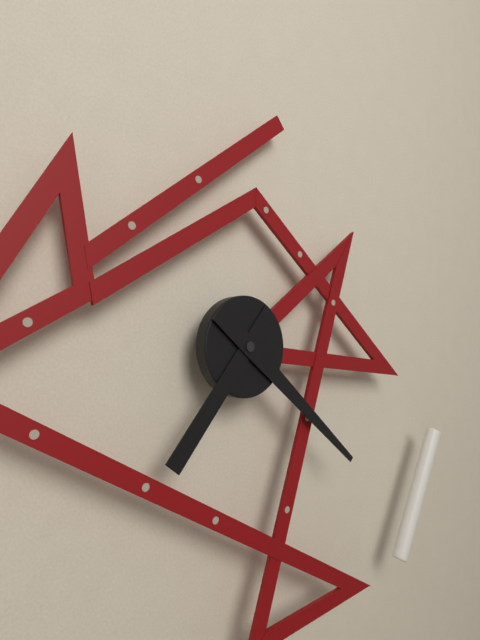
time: **7:22**
